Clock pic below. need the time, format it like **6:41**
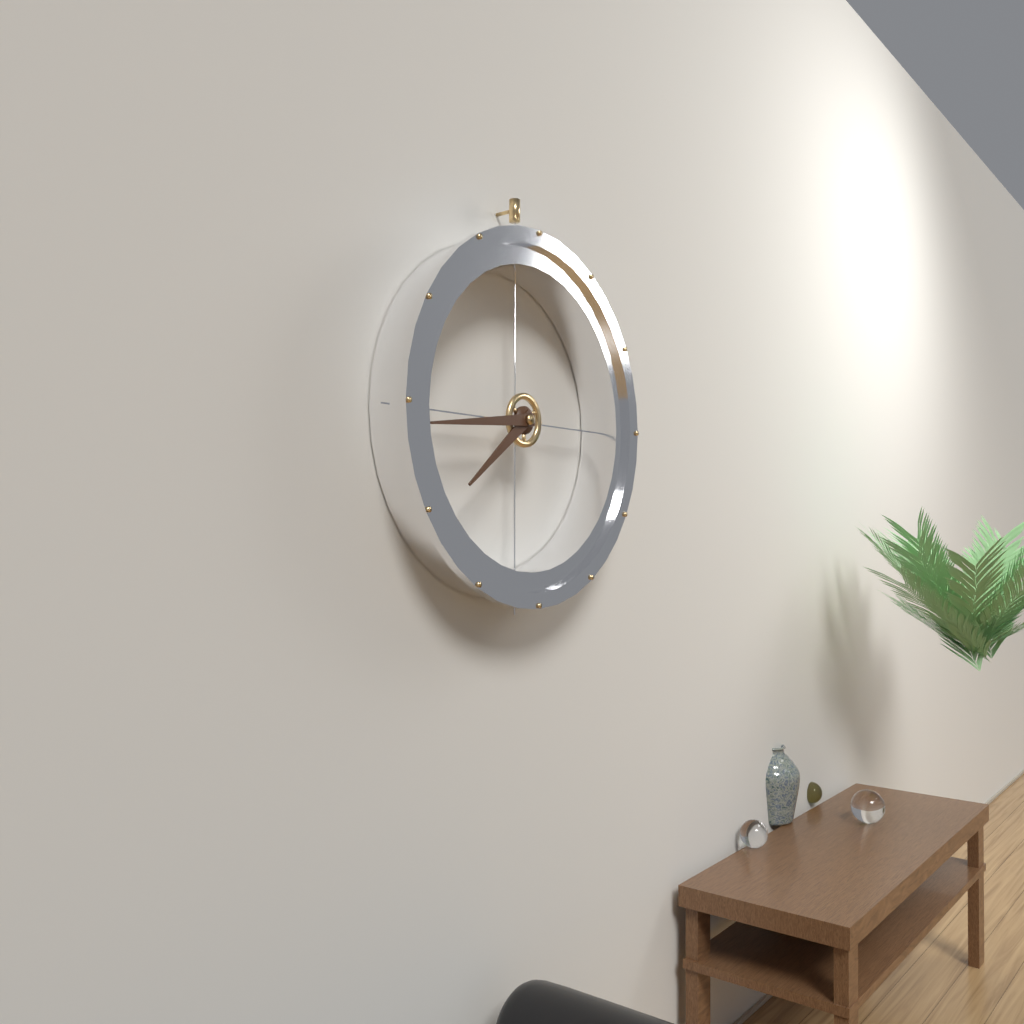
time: **7:44**
